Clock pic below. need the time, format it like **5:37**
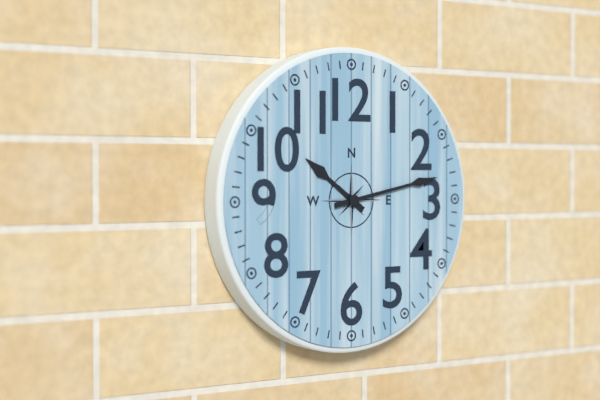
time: **10:13**
